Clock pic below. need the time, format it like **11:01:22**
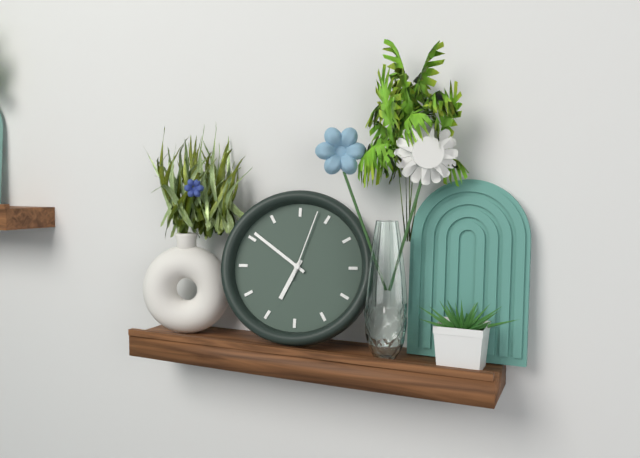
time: **6:51:03**
